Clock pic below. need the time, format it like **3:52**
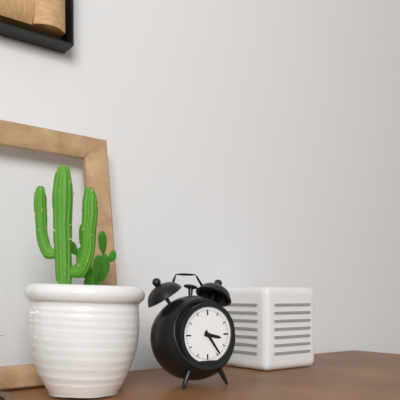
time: **3:24**
